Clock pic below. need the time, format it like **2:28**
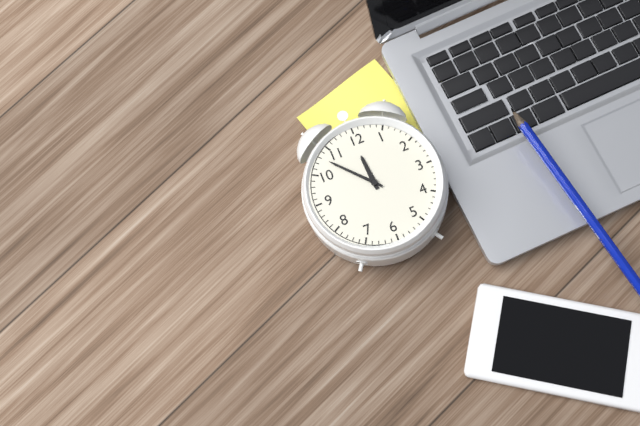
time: **11:53**
